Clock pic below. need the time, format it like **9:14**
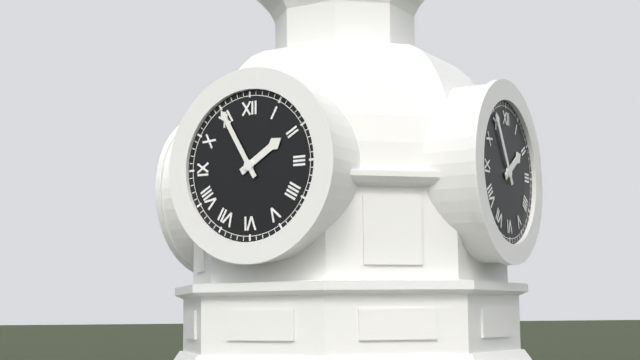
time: **1:55**
